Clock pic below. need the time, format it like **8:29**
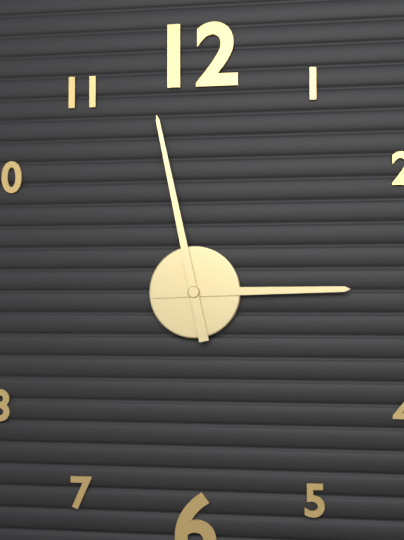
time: **2:58**
